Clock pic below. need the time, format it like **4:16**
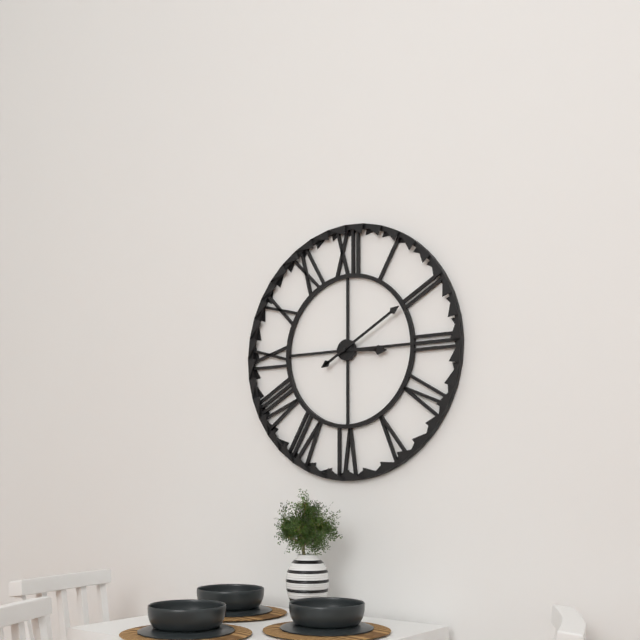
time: **3:10**
